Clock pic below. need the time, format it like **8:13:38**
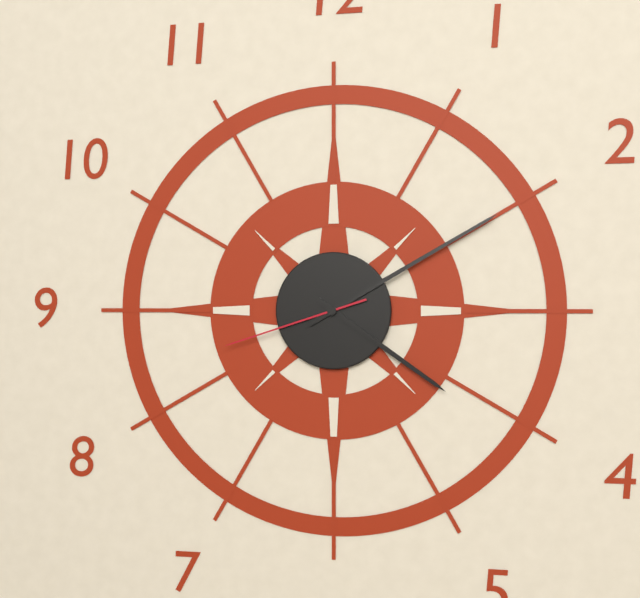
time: **4:10:42**
